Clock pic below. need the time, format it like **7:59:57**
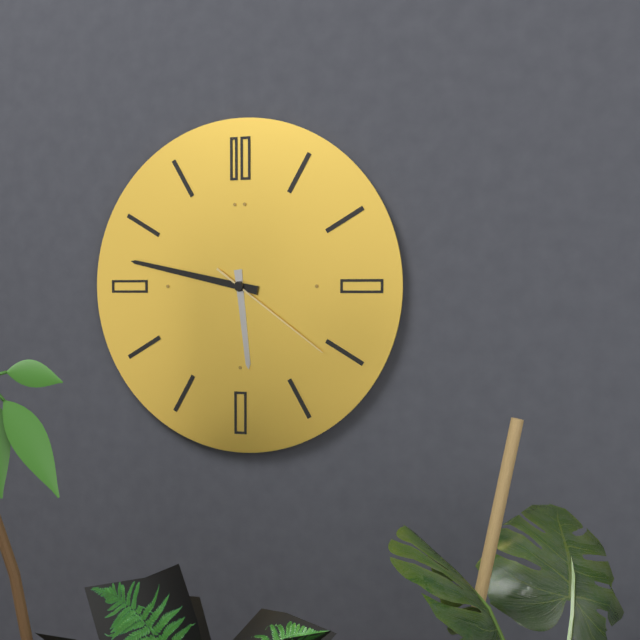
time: **5:47:21**
